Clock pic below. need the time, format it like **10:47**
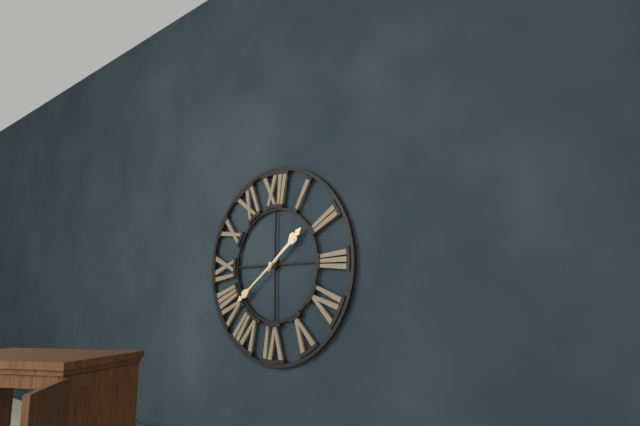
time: **1:39**
